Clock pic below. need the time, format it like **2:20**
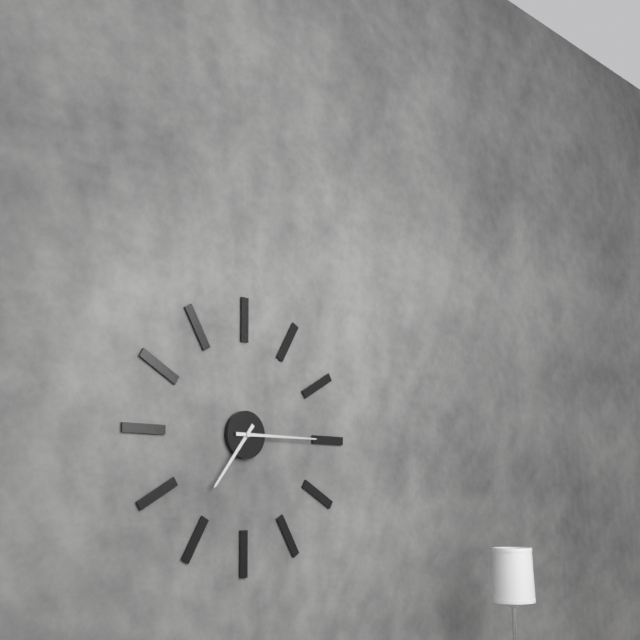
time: **7:15**
